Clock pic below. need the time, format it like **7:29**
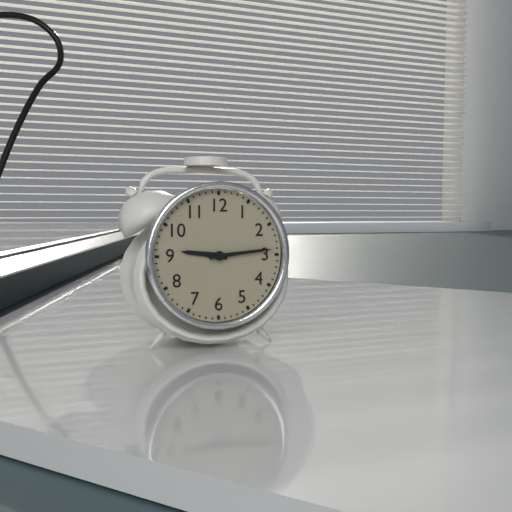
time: **9:14**
